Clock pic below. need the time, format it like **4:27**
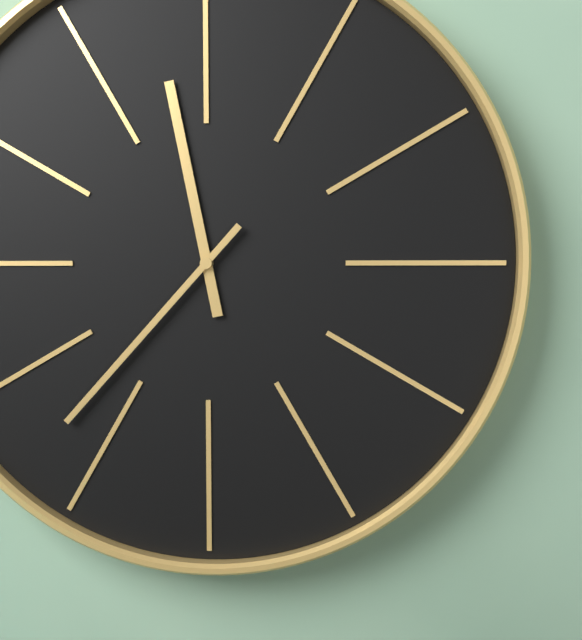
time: **11:37**
